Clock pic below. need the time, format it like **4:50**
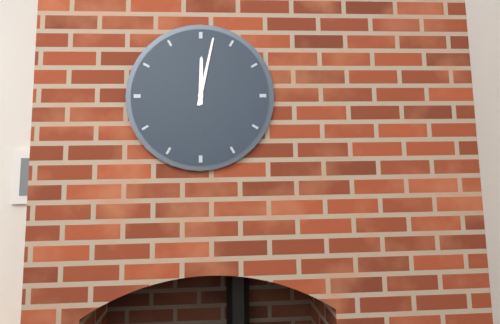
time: **12:02**
